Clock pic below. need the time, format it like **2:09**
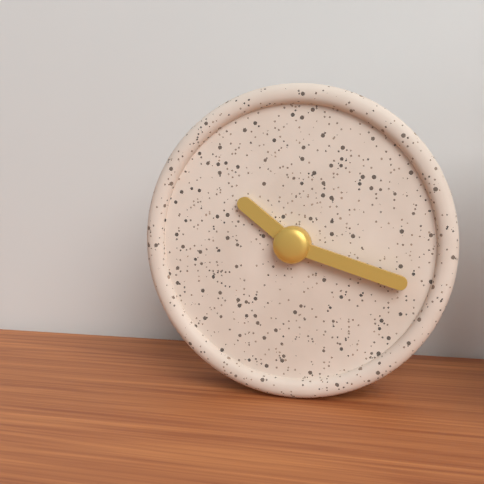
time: **10:18**
